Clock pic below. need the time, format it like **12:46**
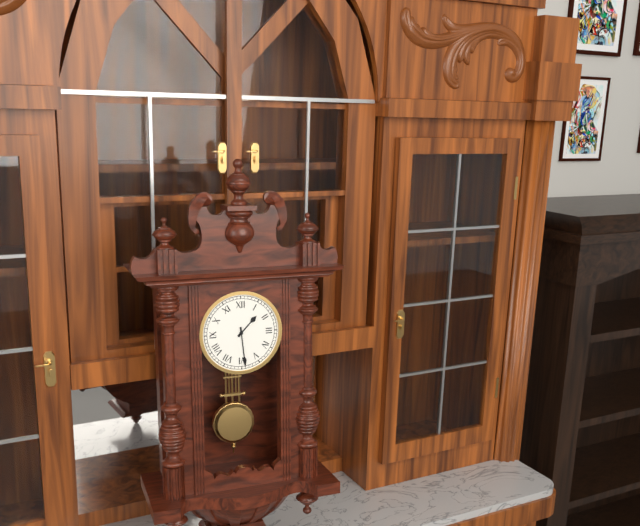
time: **1:29**
